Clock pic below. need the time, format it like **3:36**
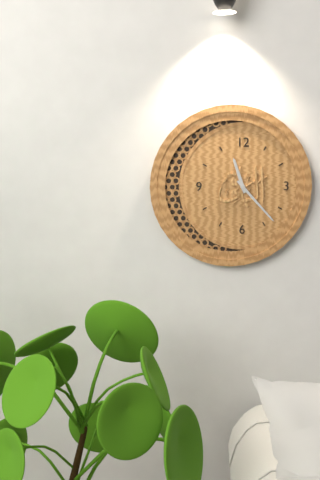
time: **11:23**
